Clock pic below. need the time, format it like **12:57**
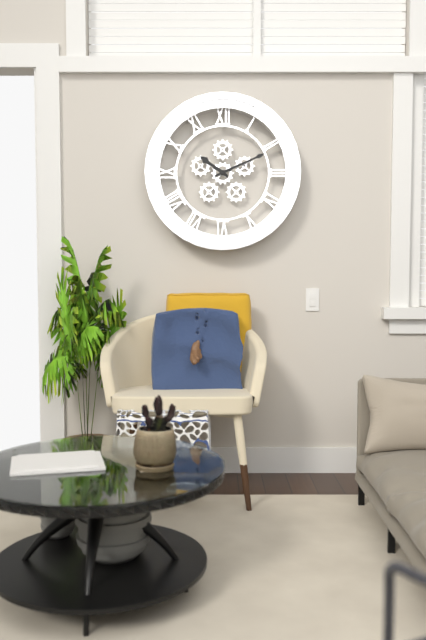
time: **10:11**
